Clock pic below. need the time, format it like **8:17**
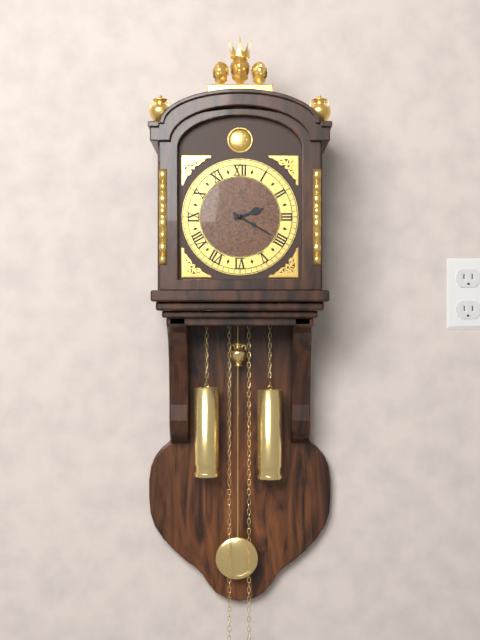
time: **2:20**
